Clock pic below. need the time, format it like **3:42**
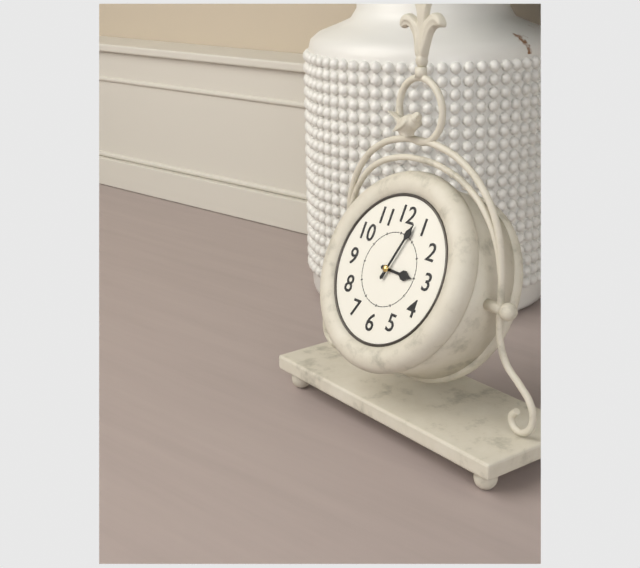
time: **3:03**
